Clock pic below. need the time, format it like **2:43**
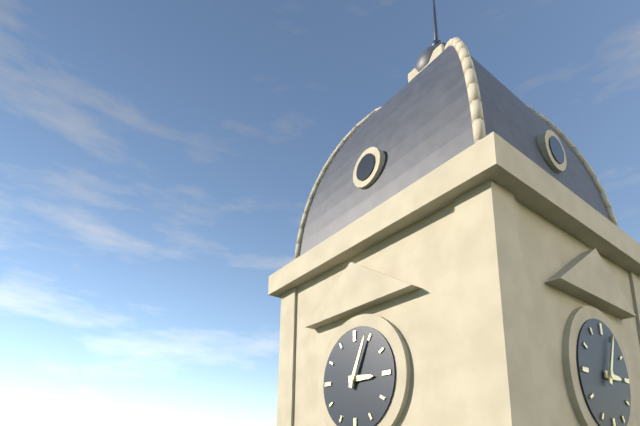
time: **3:04**
